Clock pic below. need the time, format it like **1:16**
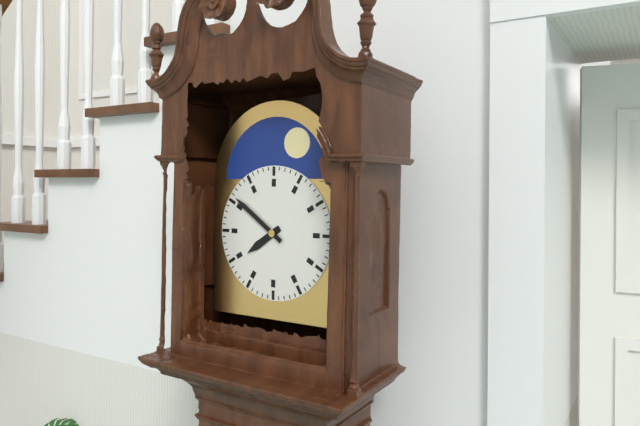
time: **7:51**
